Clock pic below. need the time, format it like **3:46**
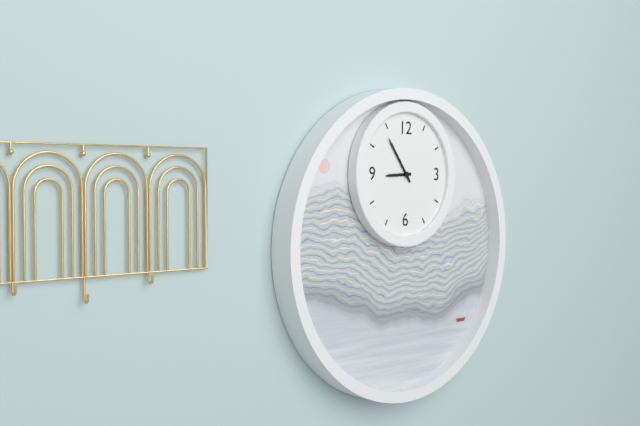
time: **8:54**
